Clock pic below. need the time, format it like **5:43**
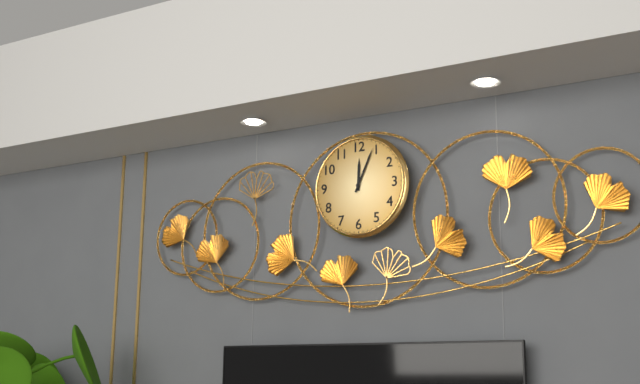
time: **12:04**
